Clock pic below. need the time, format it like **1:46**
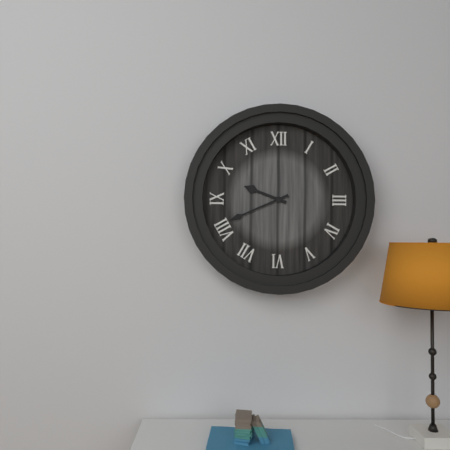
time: **9:41**
